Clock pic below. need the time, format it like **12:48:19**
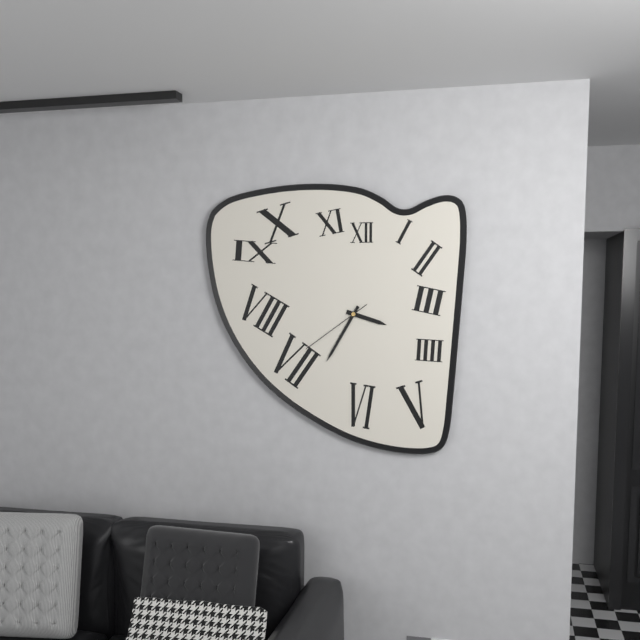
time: **3:35:39**
